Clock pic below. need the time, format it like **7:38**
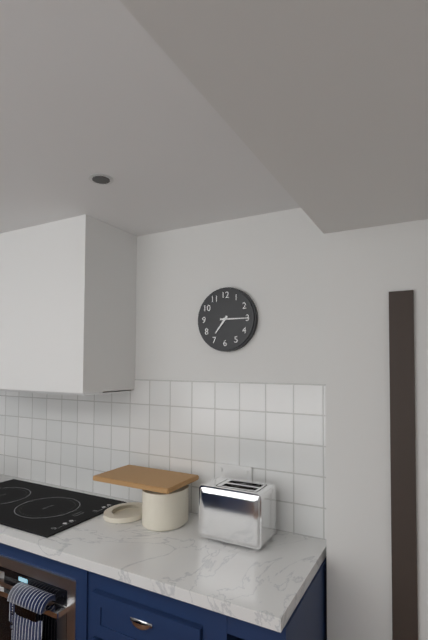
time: **7:15**
